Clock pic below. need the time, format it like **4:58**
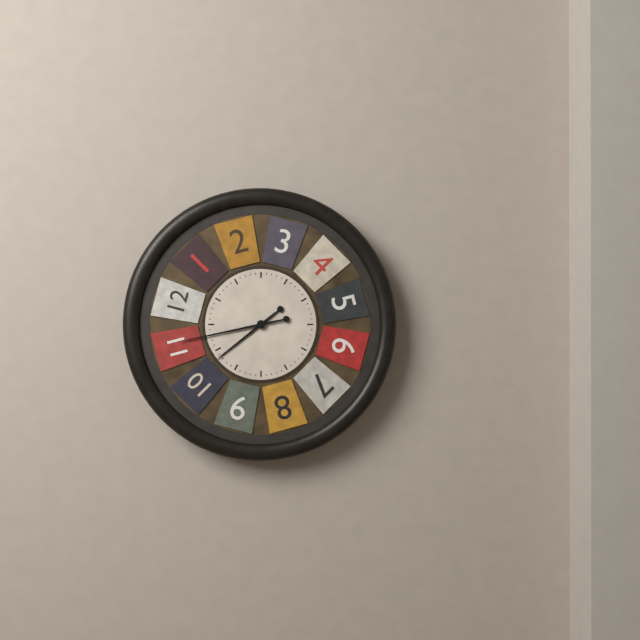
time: **7:43**
